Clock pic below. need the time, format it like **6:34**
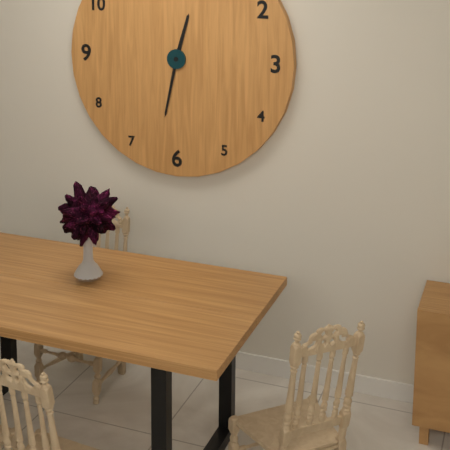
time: **12:32**
